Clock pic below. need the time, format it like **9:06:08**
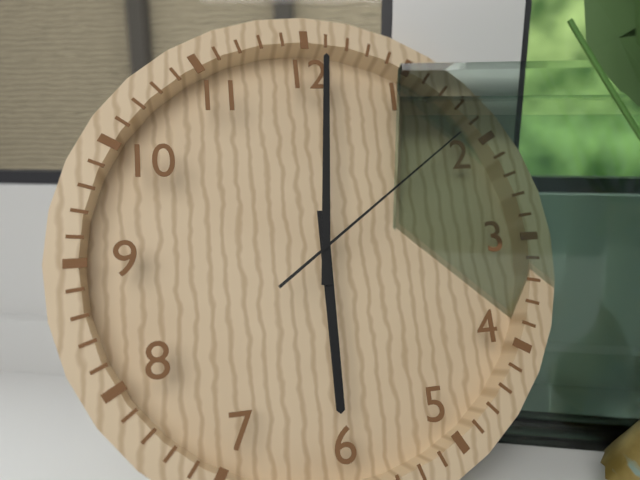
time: **6:01:09**
